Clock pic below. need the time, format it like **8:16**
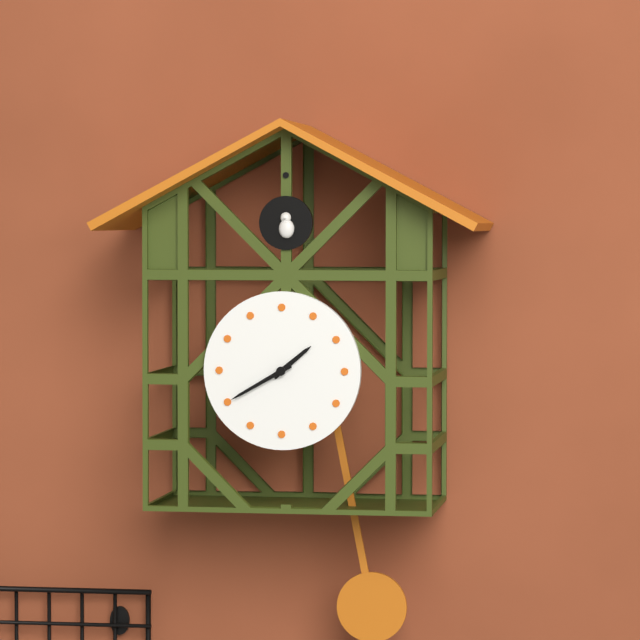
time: **1:40**
